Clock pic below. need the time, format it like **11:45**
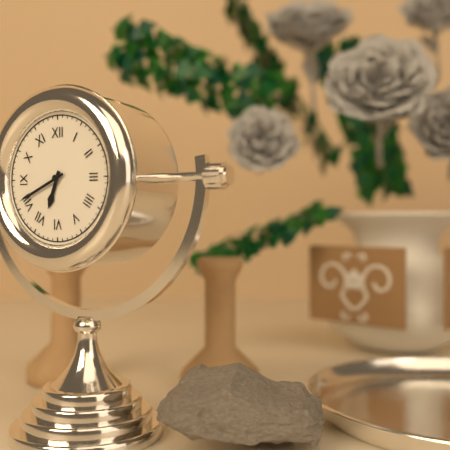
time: **6:41**
